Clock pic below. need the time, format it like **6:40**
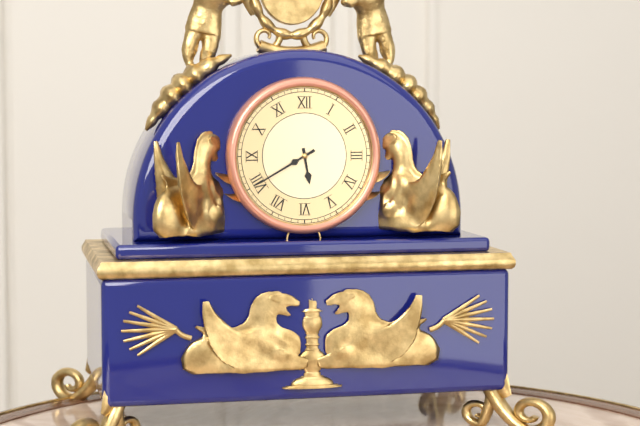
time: **5:40**
